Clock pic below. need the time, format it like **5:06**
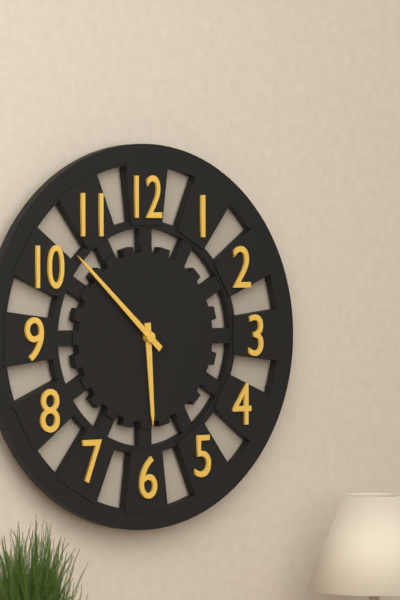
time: **5:52**
